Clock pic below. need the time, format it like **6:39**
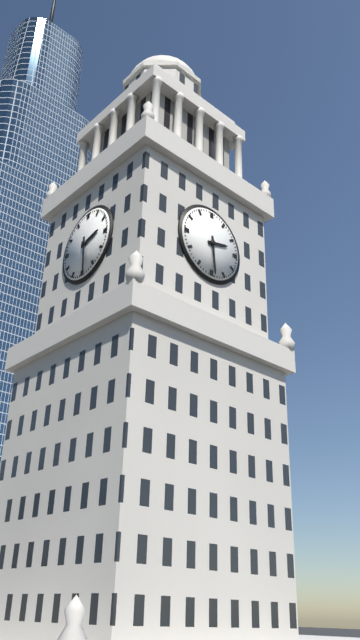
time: **2:29**
